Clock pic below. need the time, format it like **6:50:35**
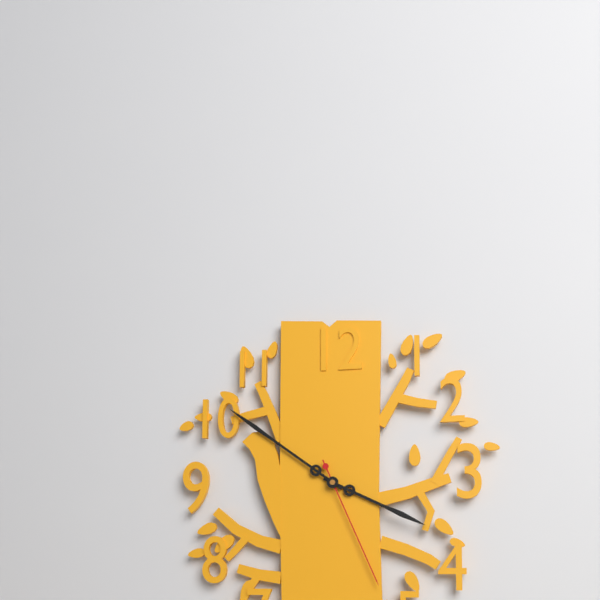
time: **3:51:26**
